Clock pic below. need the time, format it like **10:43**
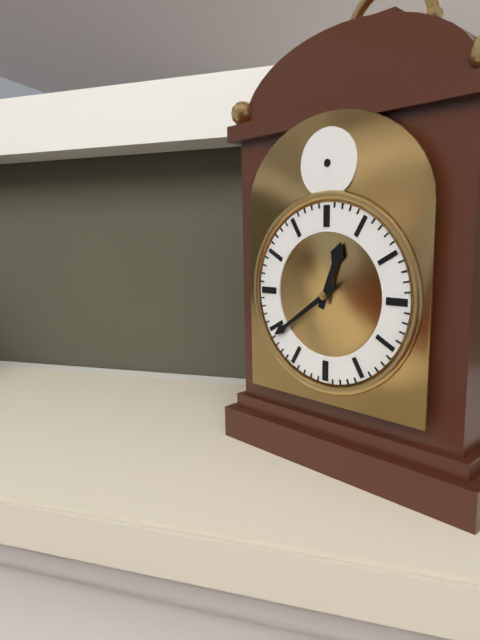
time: **12:39**
